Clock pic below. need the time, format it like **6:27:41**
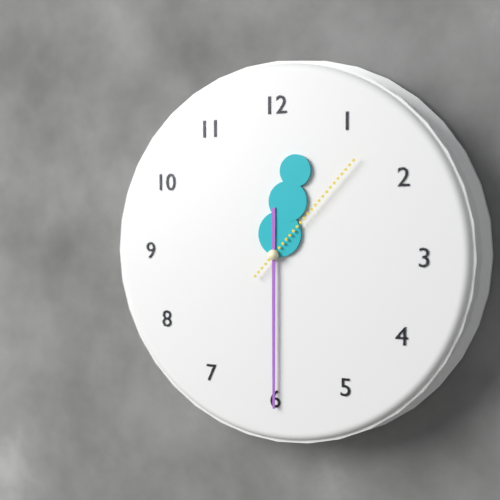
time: **12:30:07**
